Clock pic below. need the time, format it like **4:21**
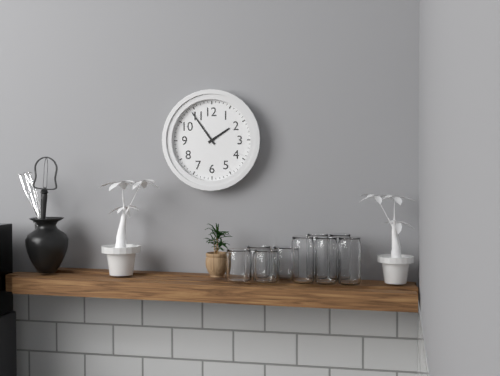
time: **1:54**
